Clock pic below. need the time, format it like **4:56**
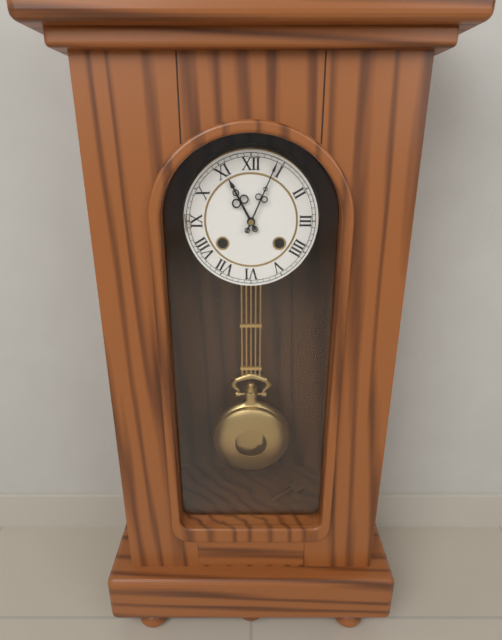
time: **11:04**
